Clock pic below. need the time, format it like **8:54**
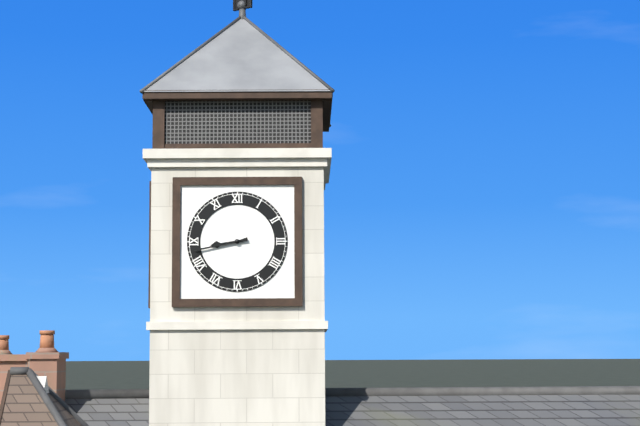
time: **8:43**
